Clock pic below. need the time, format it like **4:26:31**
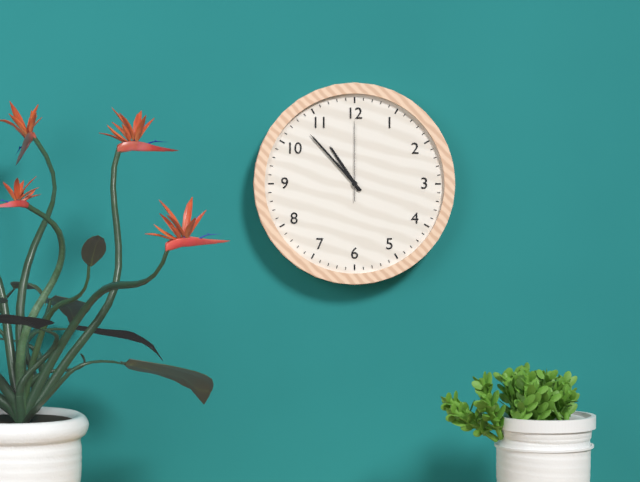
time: **10:53:00**
